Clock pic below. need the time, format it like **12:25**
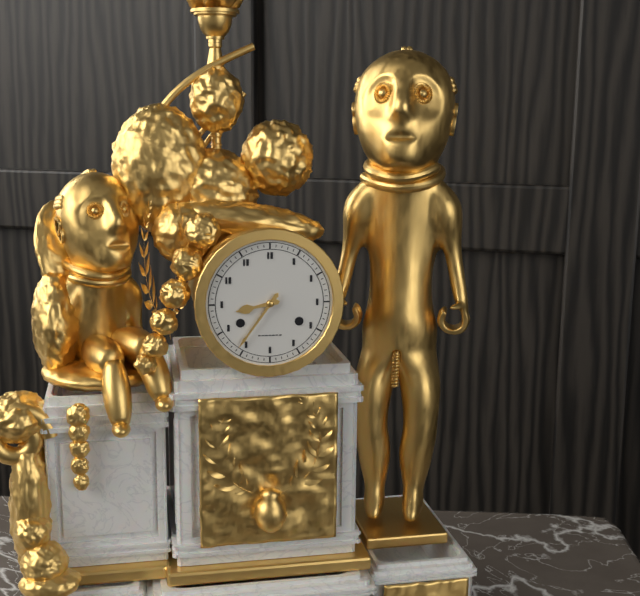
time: **8:36**
